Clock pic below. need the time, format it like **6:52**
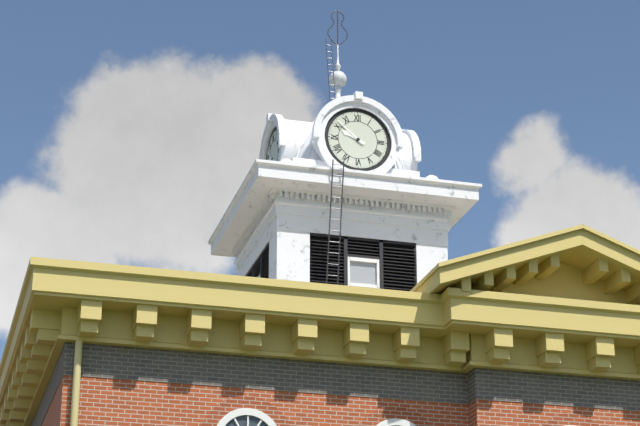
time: **9:52**
